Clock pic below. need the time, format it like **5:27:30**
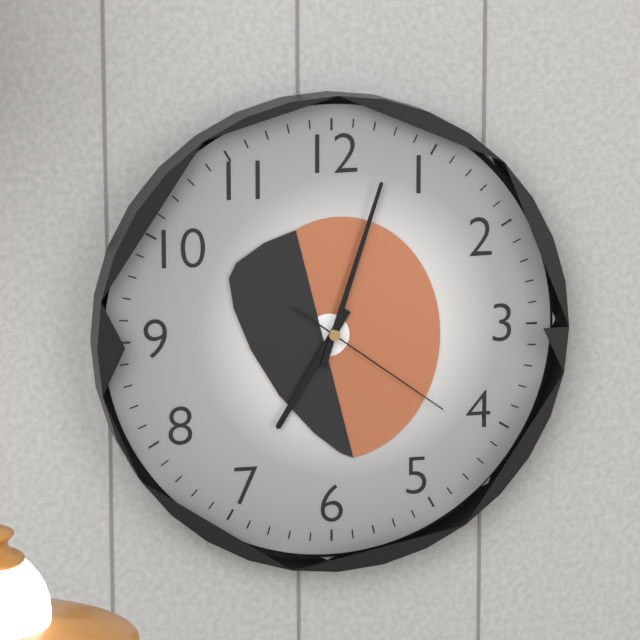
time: **7:03:21**
